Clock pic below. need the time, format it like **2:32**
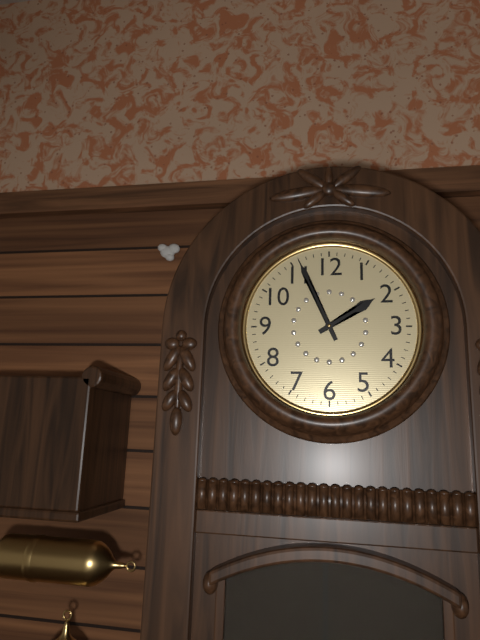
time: **1:56**
